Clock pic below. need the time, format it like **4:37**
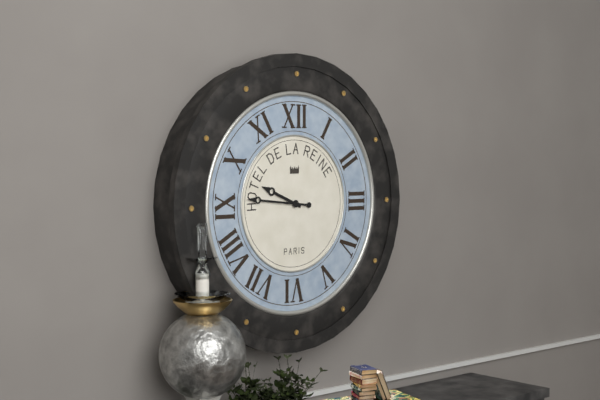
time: **9:46**
